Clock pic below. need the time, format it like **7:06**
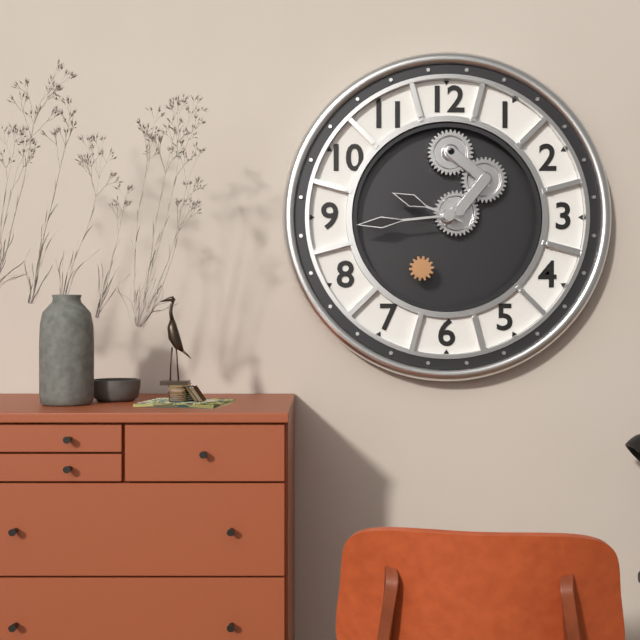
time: **9:44**
